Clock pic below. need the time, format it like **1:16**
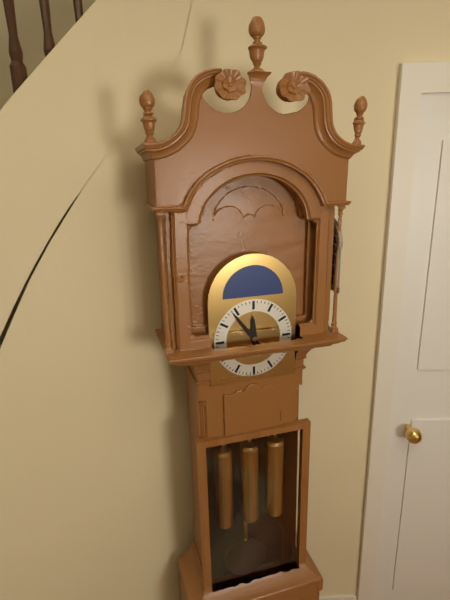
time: **11:54**
